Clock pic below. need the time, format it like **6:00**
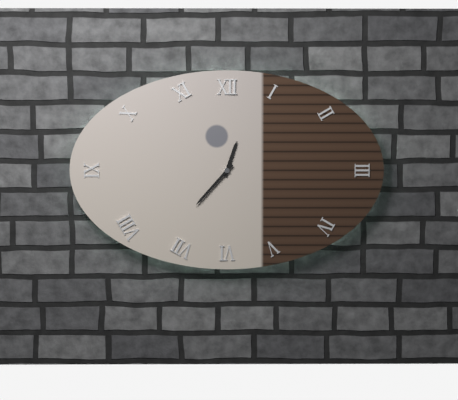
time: **12:37**
